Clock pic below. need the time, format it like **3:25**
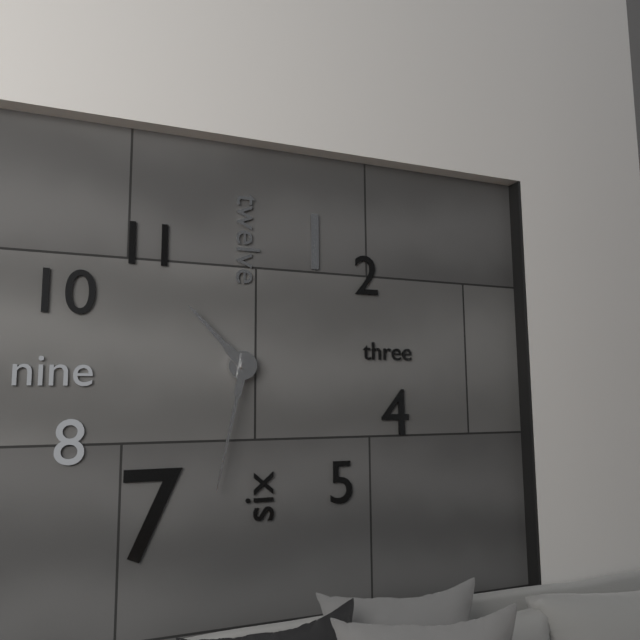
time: **10:32**
